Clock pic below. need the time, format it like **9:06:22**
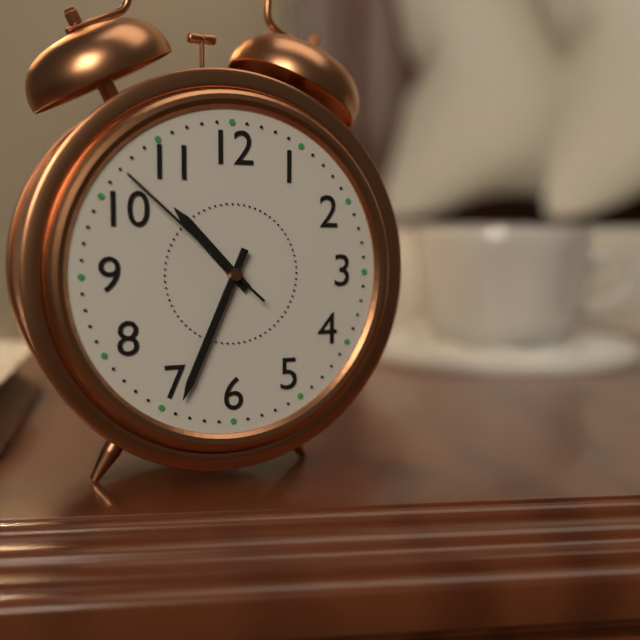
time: **10:34:52**
